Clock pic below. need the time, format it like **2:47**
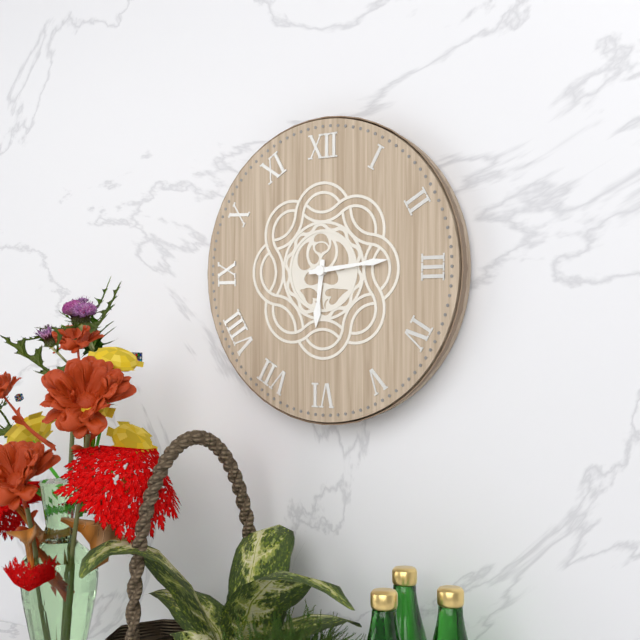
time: **6:14**
